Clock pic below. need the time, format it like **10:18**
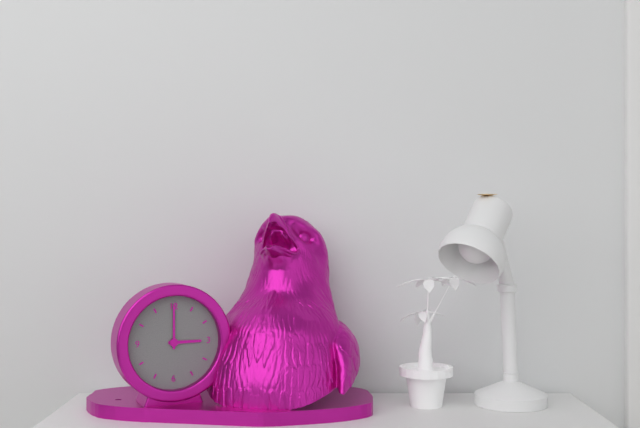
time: **3:00**
